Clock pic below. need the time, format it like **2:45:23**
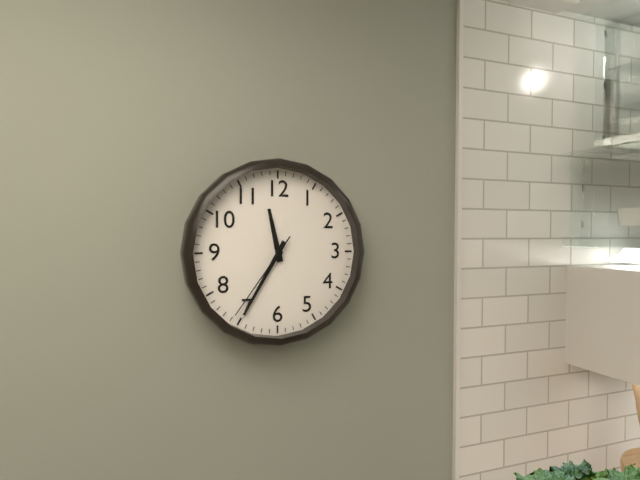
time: **11:35:36**
